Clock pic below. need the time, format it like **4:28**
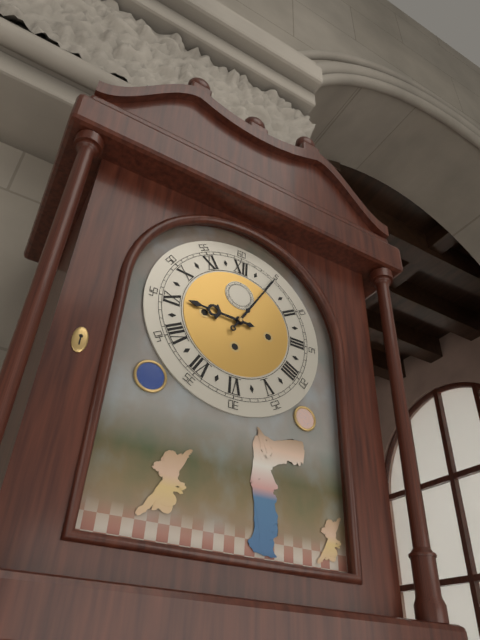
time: **9:05**
